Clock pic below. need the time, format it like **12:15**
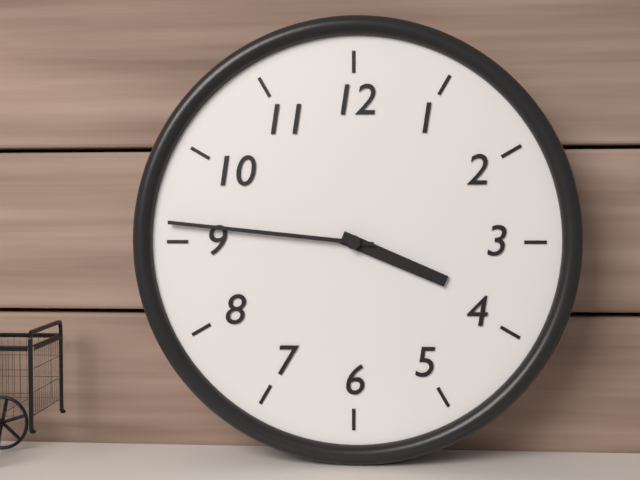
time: **3:46**
